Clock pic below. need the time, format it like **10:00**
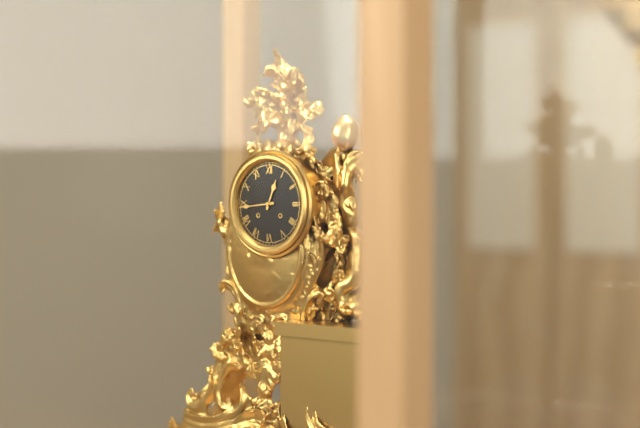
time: **12:44**
